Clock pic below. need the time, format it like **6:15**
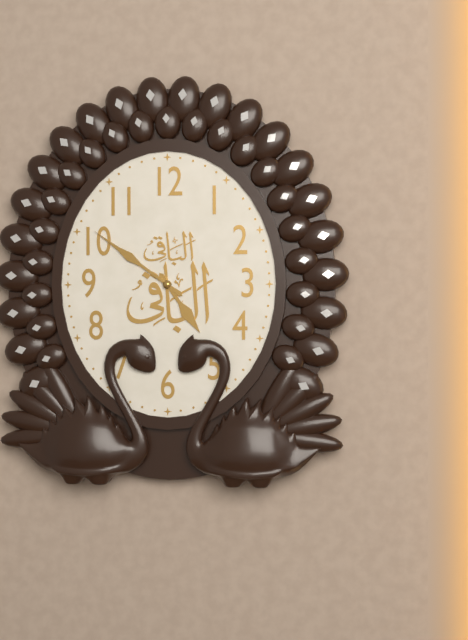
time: **4:51**
